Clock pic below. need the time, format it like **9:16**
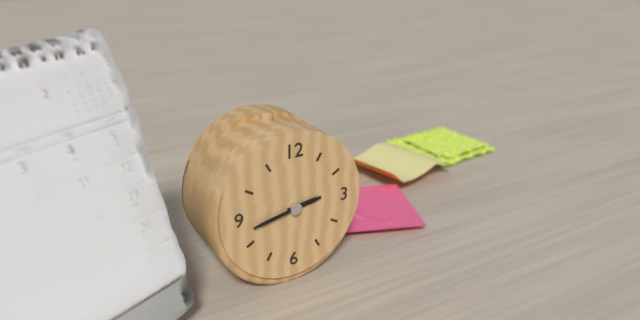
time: **2:43**
